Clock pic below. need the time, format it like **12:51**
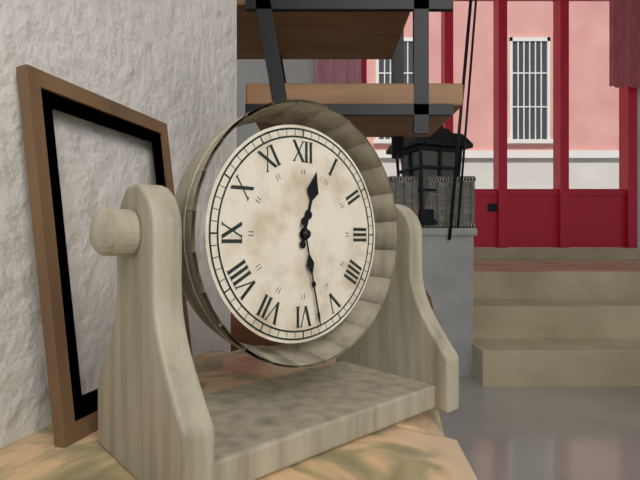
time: **12:28**
